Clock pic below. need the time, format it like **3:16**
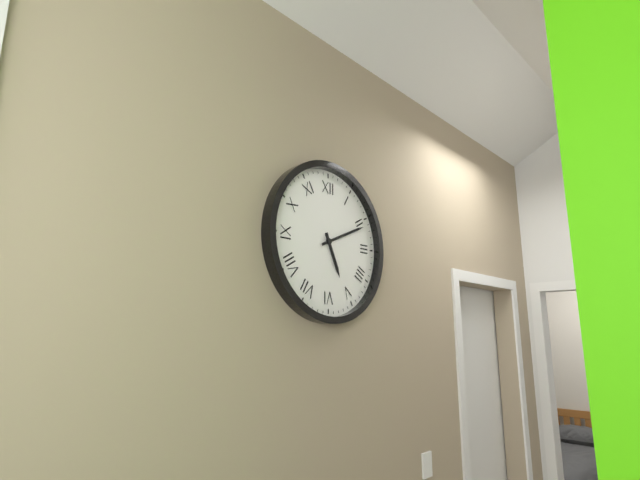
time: **5:11**
